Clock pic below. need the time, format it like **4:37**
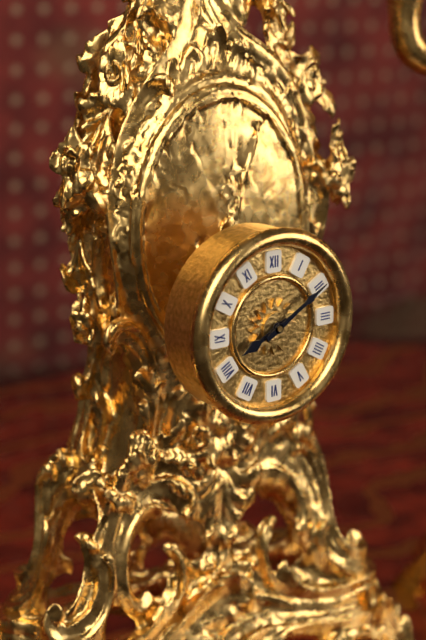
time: **8:10**
